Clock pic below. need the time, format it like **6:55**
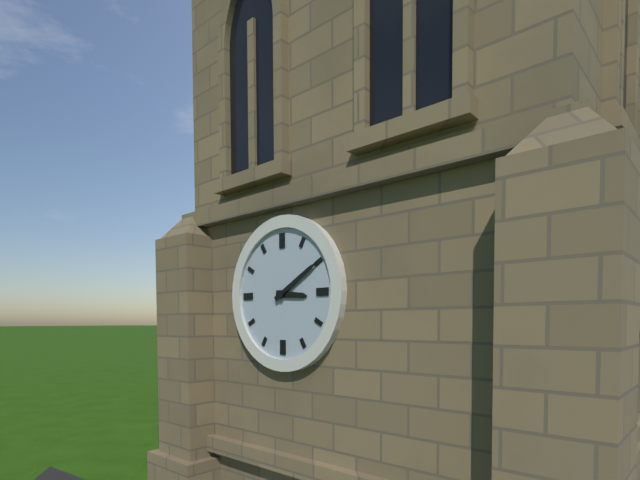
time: **3:10**
